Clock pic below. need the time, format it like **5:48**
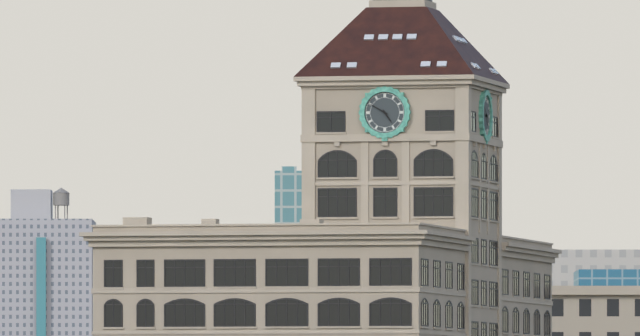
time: **4:50**
